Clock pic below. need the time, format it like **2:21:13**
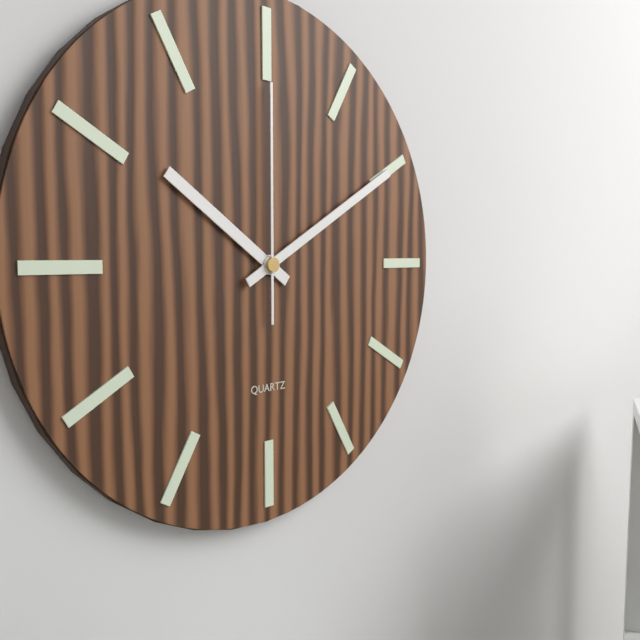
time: **10:10:00**
